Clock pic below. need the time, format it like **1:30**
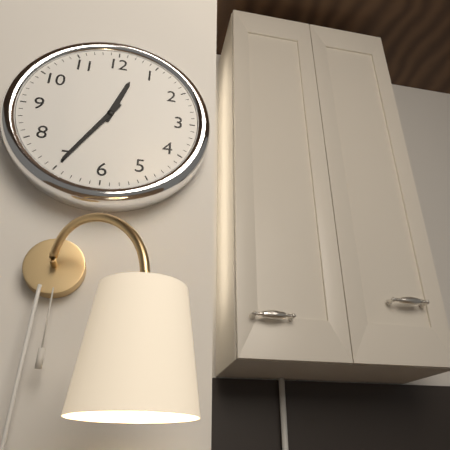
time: **12:35**
